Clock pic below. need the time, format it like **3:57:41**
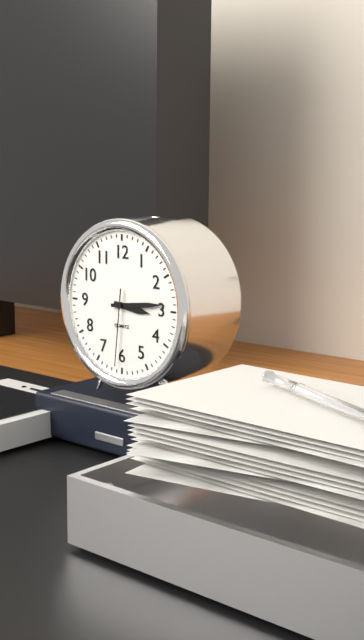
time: **3:14:31**
